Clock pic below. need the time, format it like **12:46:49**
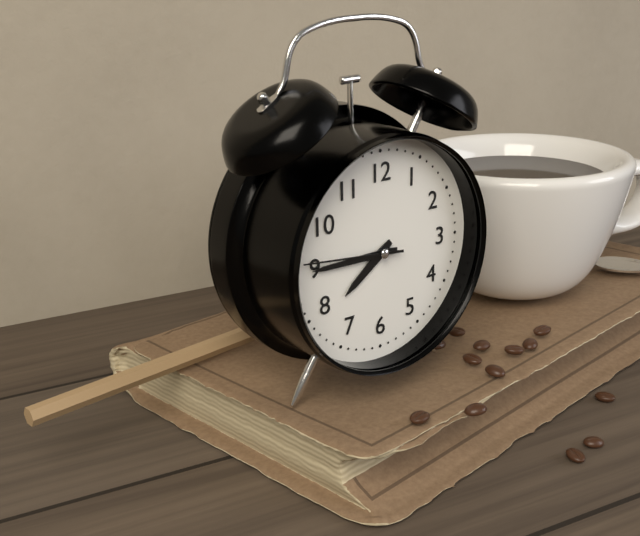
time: **7:45:46**
